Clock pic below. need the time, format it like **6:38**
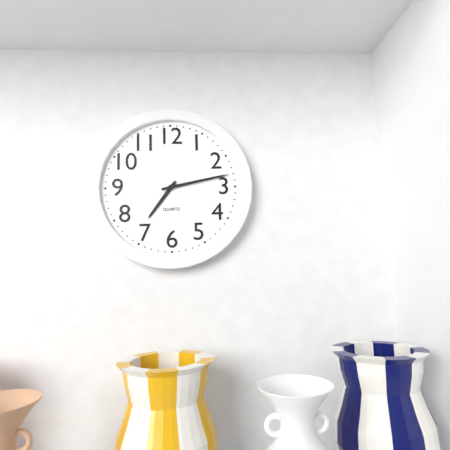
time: **7:13**
